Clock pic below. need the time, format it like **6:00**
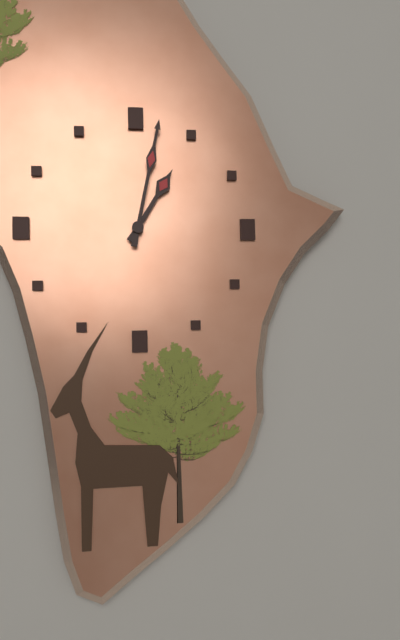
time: **1:02**
